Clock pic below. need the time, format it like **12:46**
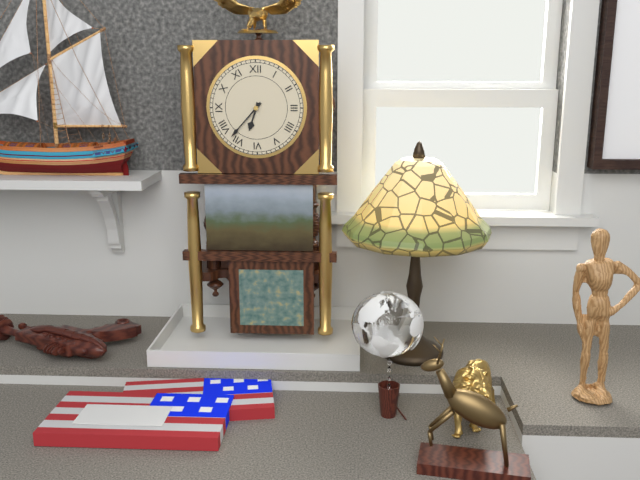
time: **6:37**
